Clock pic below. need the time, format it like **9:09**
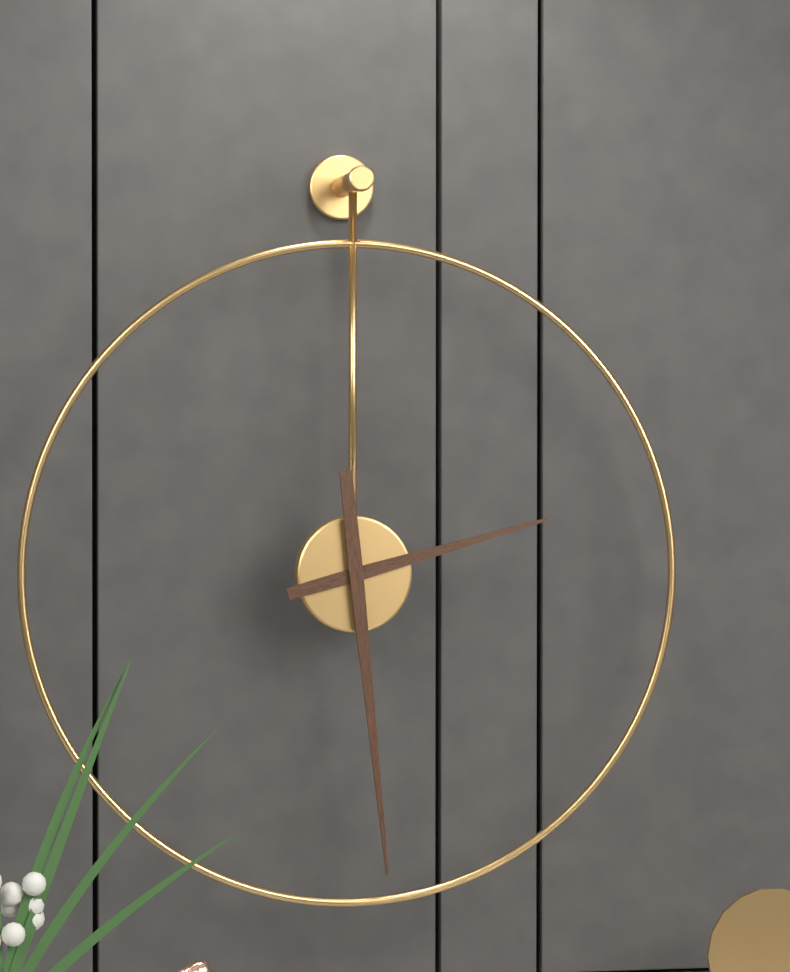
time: **2:29**
